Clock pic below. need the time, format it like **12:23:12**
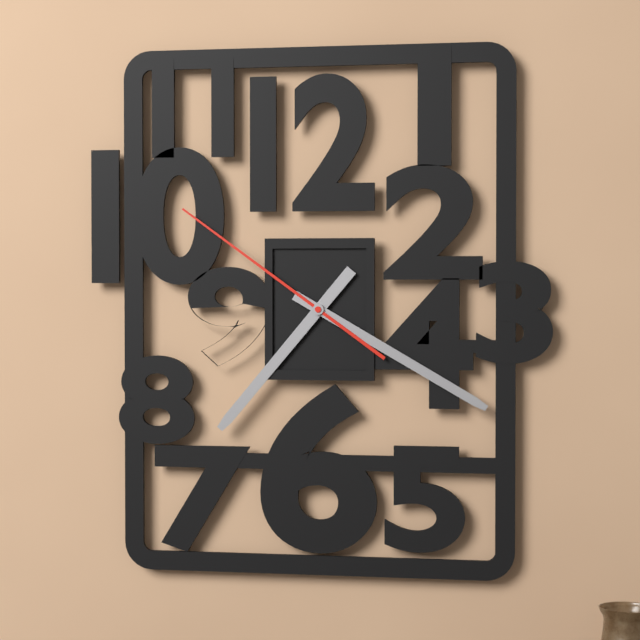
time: **7:20:51**
